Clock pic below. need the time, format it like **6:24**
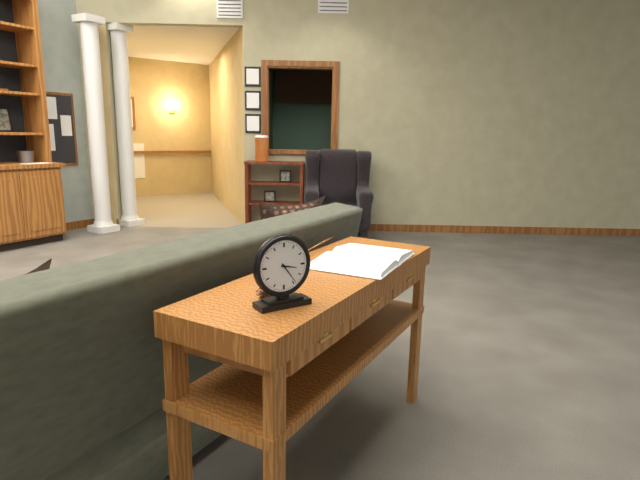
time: **3:24**
